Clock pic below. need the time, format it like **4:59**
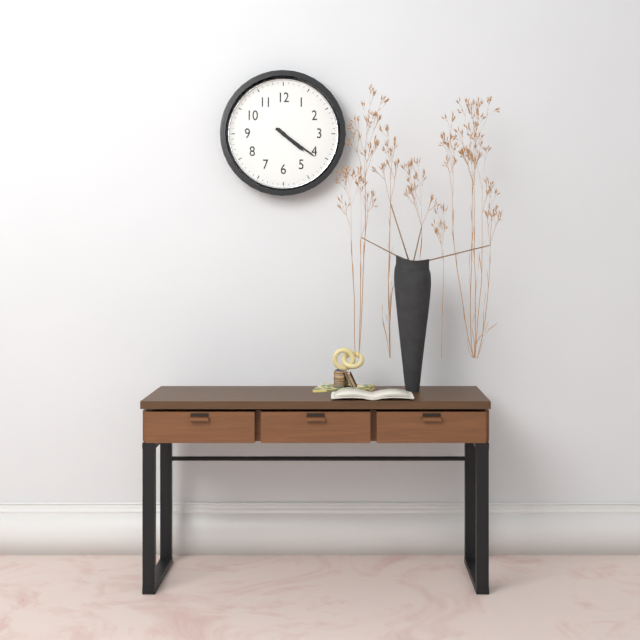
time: **4:21**
